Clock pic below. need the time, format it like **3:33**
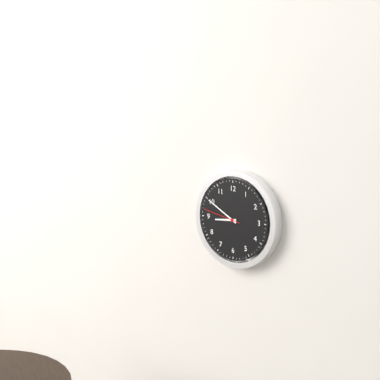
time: **8:50**
